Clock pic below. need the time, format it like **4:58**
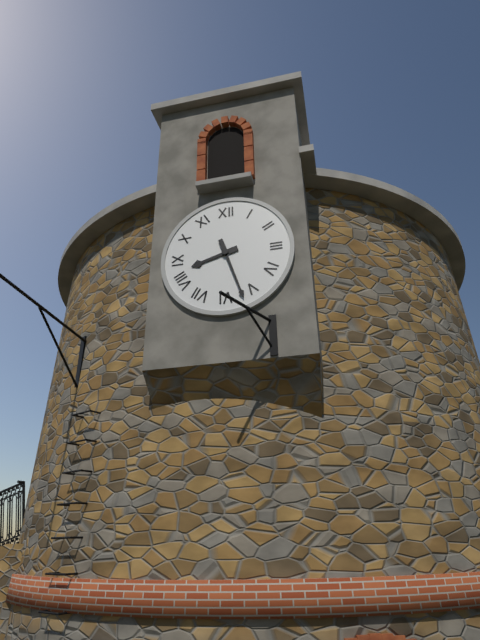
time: **8:27**
